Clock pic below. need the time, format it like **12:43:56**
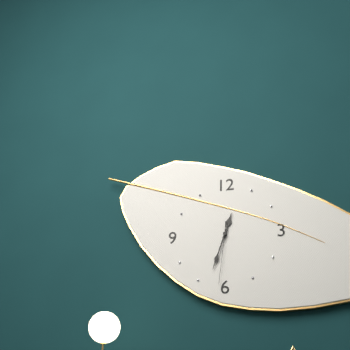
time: **12:33:31**
